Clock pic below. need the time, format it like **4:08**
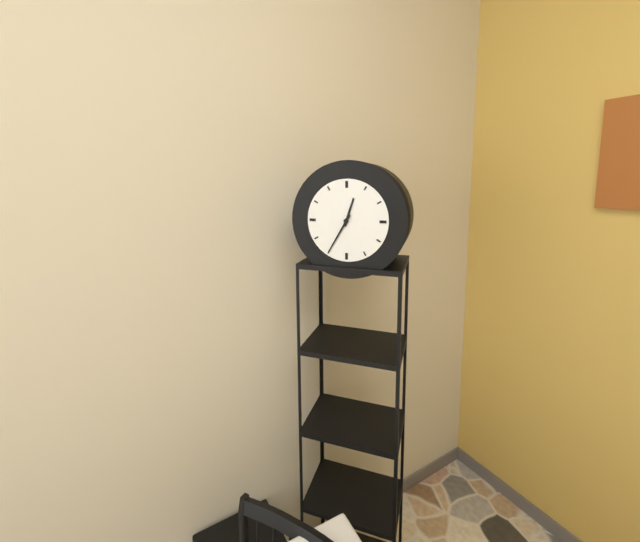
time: **12:35**
